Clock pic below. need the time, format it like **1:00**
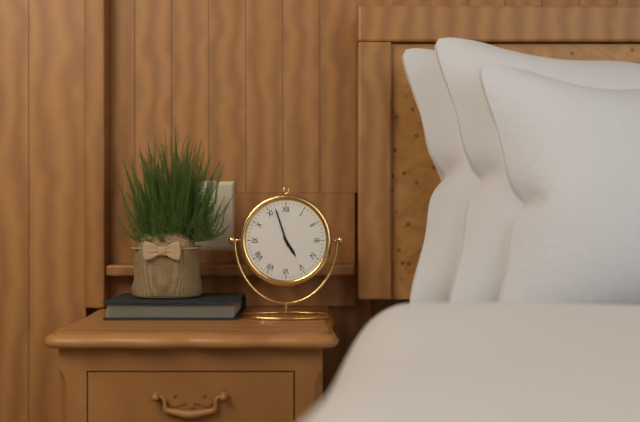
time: **4:57**
